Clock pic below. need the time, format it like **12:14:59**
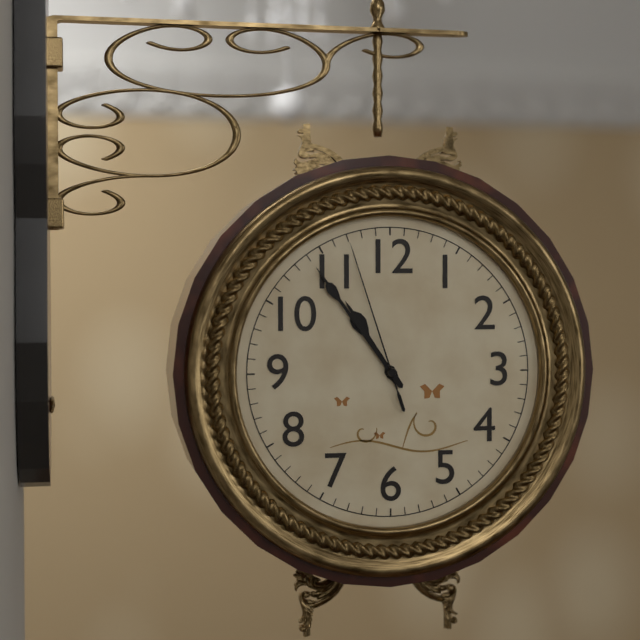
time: **10:54:57**
